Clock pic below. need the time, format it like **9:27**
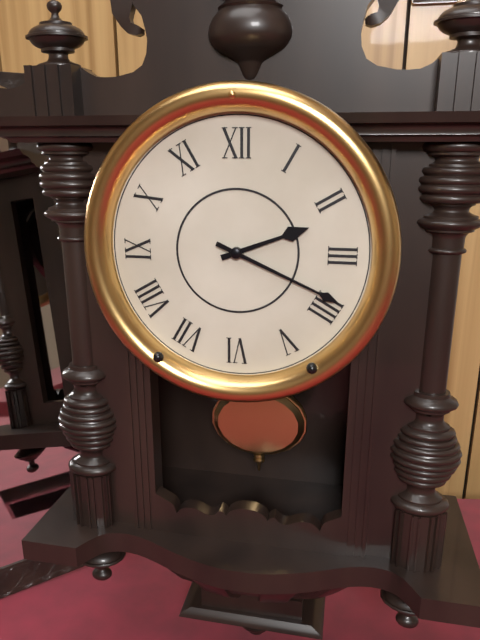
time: **2:19**
